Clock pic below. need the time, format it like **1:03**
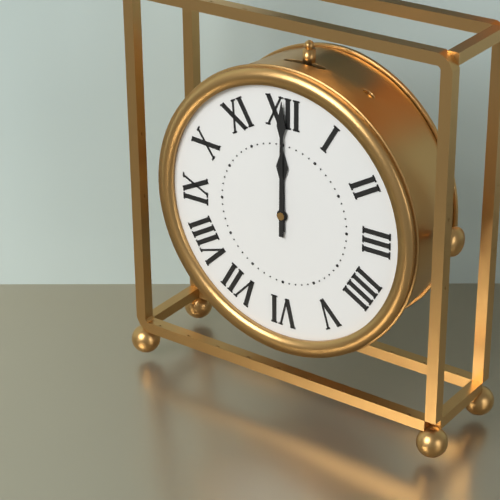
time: **12:00**
